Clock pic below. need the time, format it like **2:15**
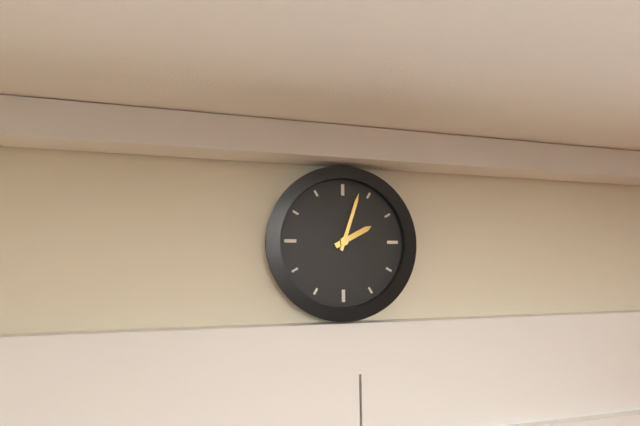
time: **2:03**
